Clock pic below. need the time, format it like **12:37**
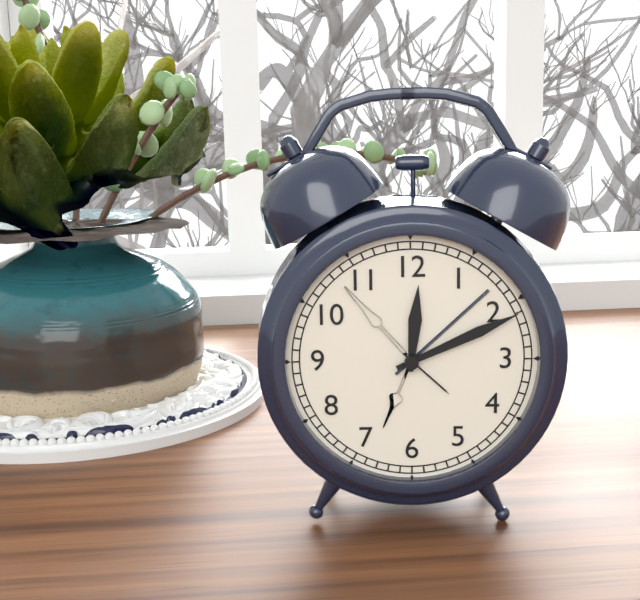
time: **12:11**
